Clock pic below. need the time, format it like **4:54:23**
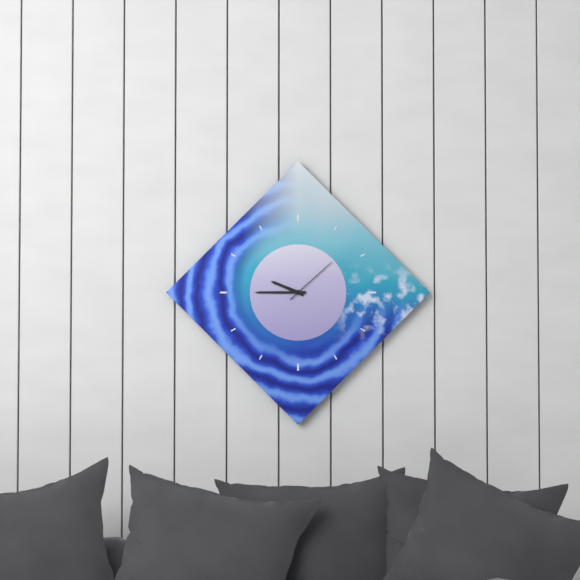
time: **9:45:08**
